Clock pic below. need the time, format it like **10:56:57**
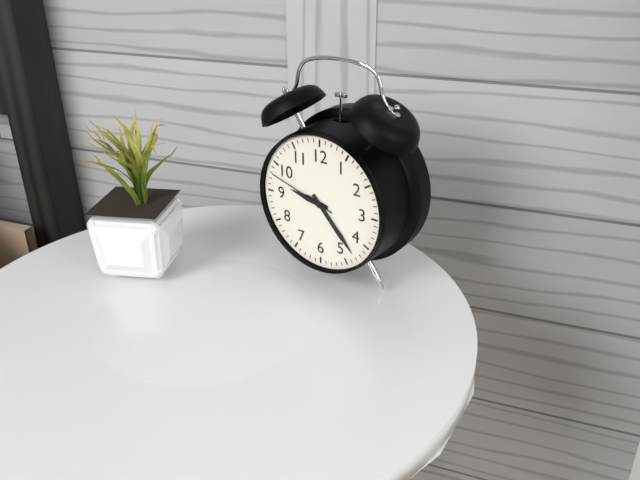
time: **9:23:48**
